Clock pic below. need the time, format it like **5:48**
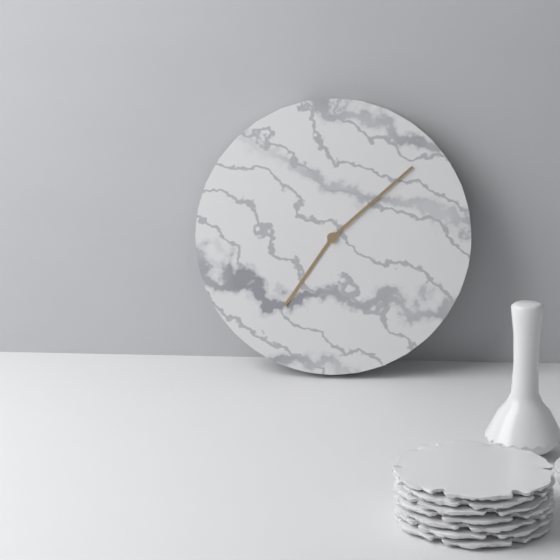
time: **7:08**
